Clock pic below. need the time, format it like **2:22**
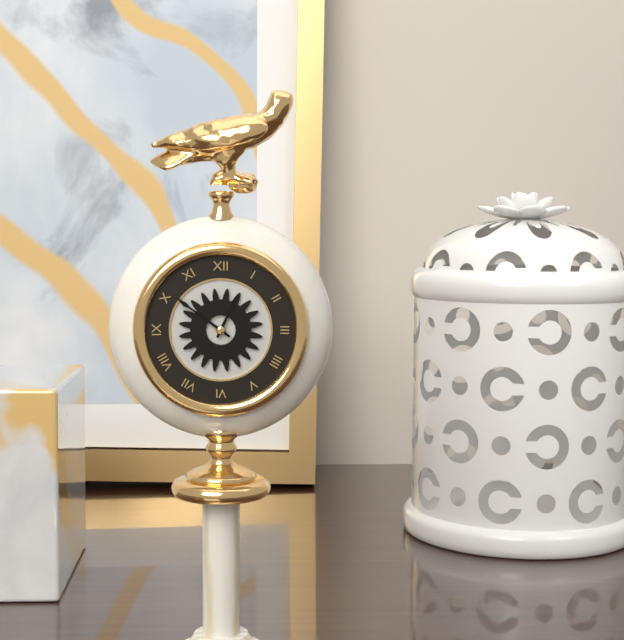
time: **12:51**
